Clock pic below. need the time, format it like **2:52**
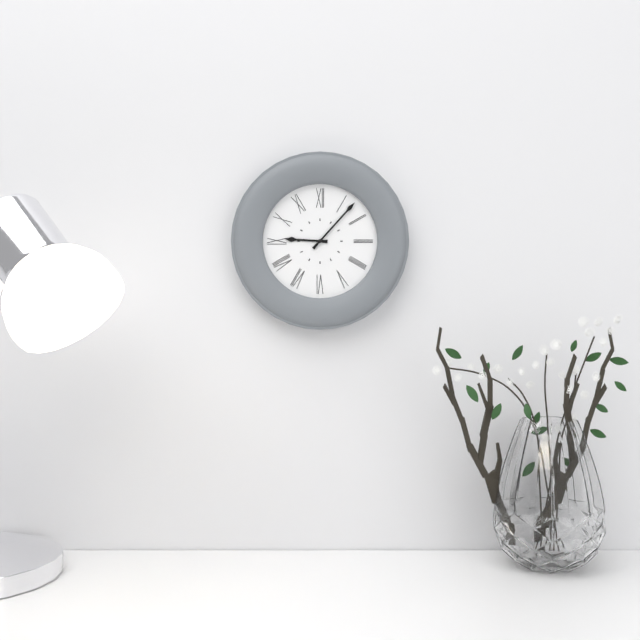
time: **9:07**
